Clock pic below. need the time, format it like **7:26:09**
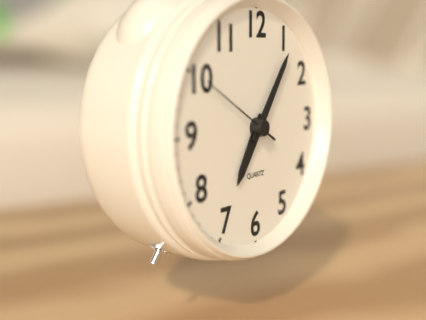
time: **7:06:50**
